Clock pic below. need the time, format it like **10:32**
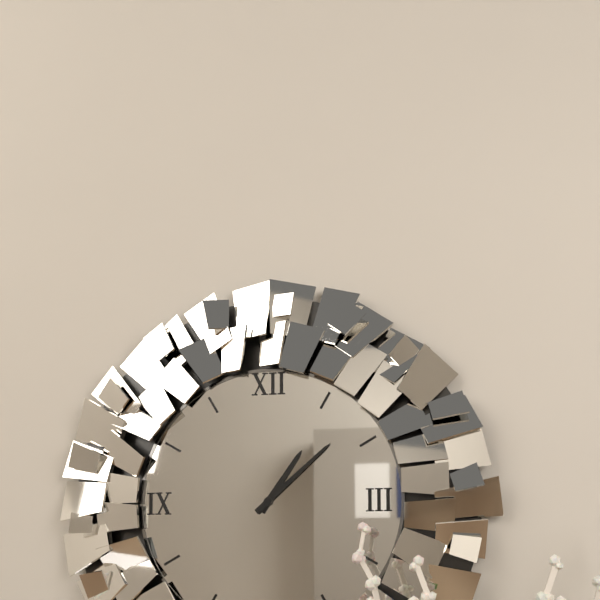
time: **1:08**
